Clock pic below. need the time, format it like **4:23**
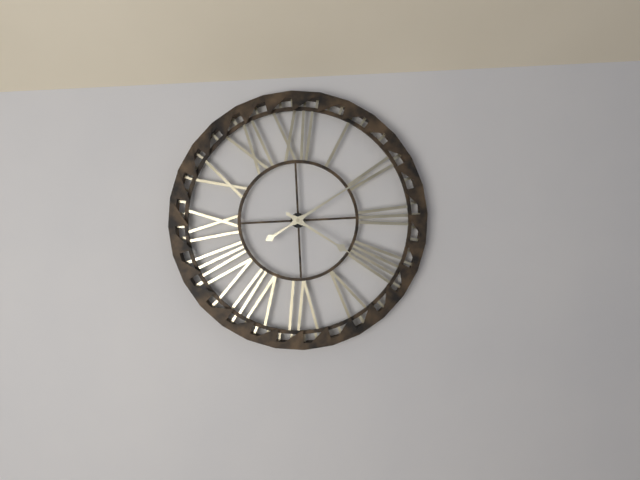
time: **4:10**
